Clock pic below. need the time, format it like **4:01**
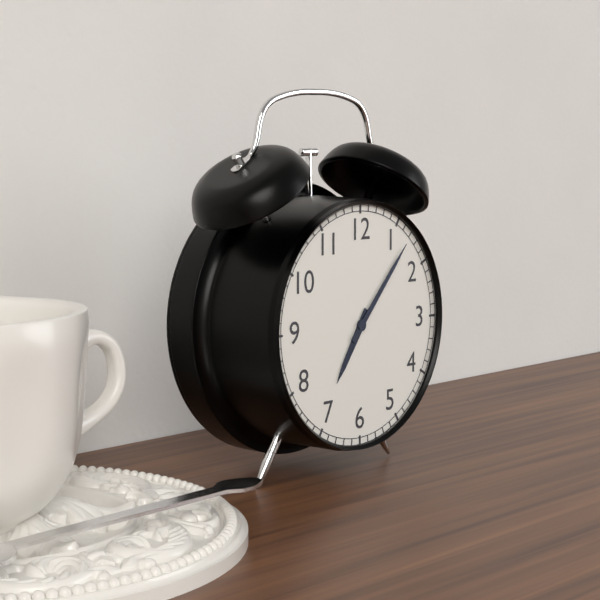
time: **7:07**
